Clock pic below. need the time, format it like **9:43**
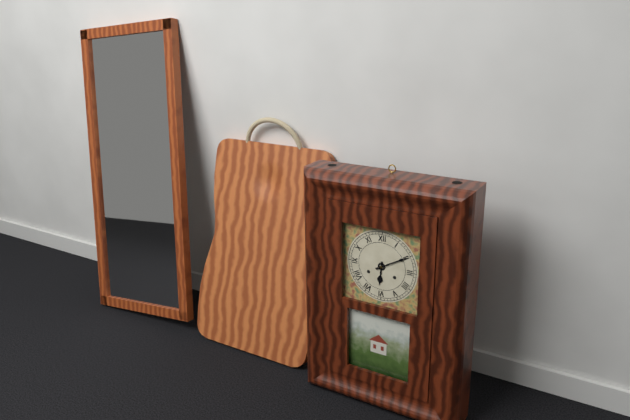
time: **6:10**
